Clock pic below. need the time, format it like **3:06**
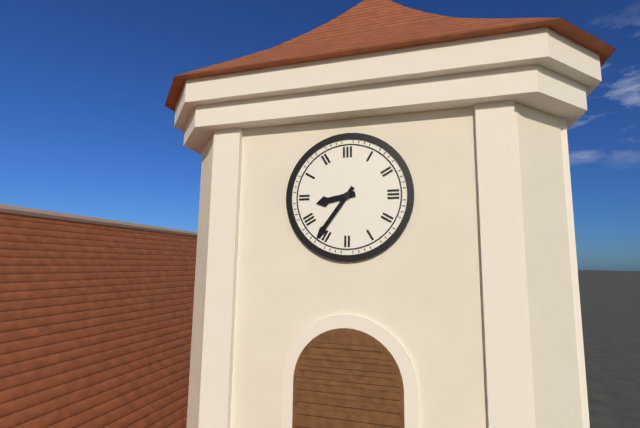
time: **8:36**
